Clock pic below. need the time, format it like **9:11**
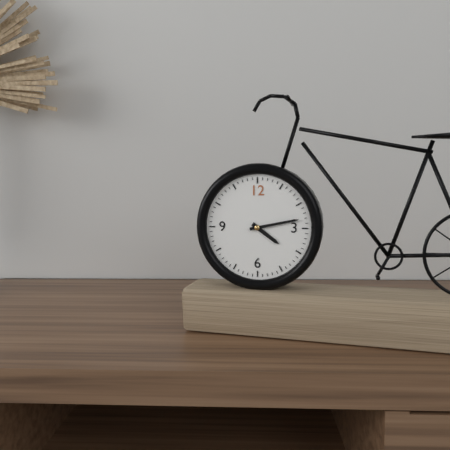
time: **4:13**
